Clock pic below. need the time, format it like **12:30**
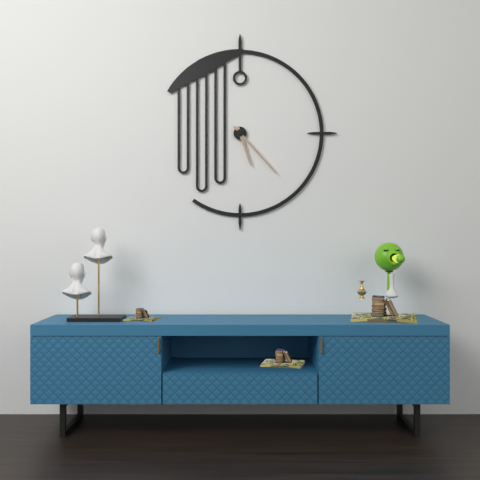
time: **5:23**
